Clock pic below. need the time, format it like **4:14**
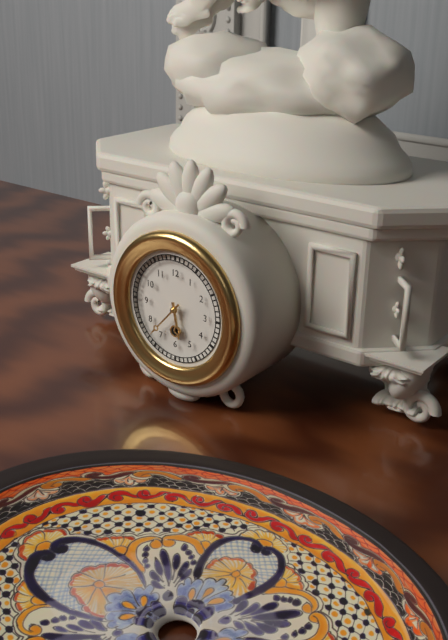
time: **5:37**
